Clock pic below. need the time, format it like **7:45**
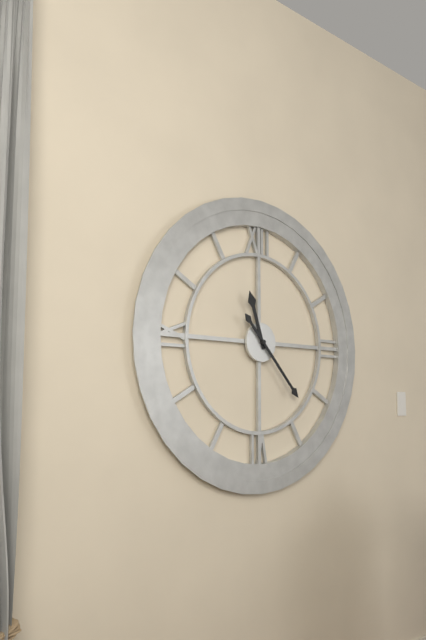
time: **11:23**
